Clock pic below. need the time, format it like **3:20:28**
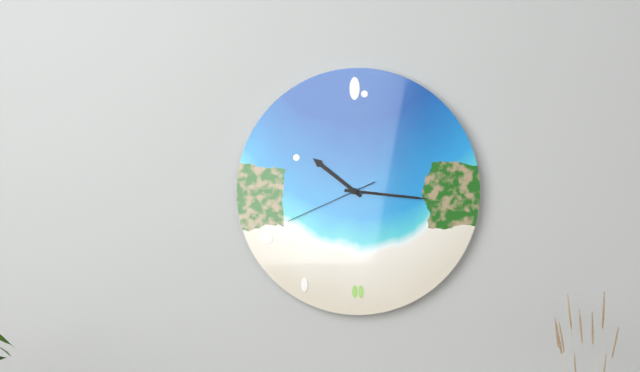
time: **10:16:41**
